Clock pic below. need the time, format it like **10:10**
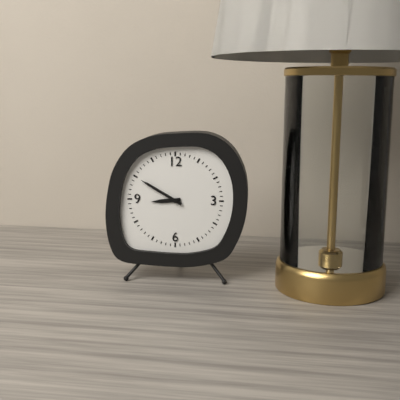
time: **8:50**
